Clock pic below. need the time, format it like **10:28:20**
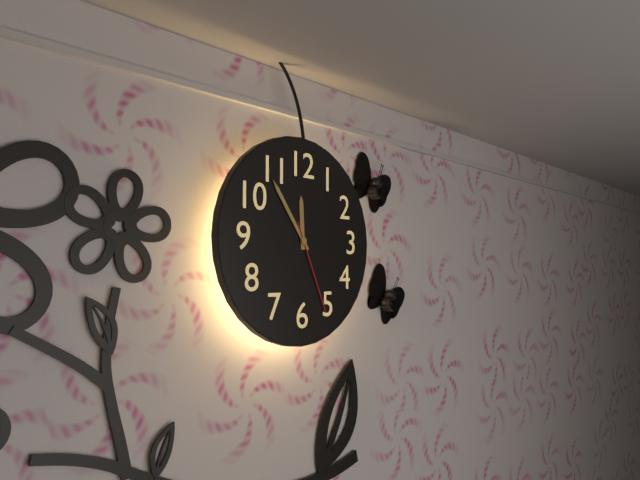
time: **11:54:26**
